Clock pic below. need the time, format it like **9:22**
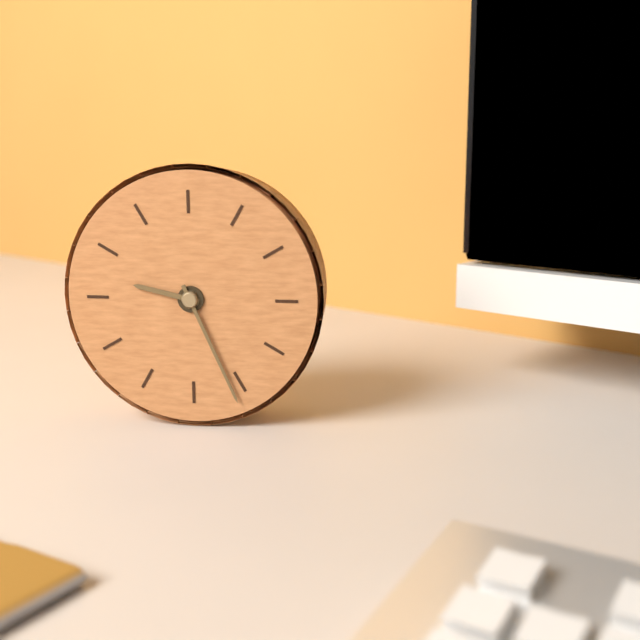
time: **9:26**
